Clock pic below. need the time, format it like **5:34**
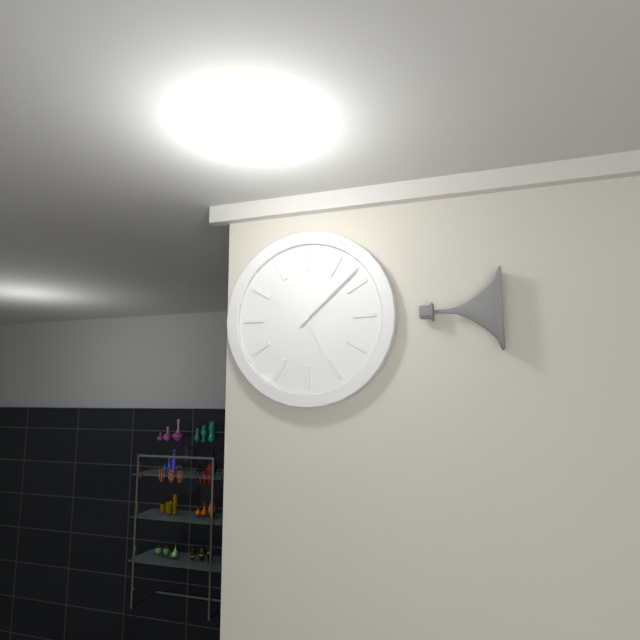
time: **5:08**
